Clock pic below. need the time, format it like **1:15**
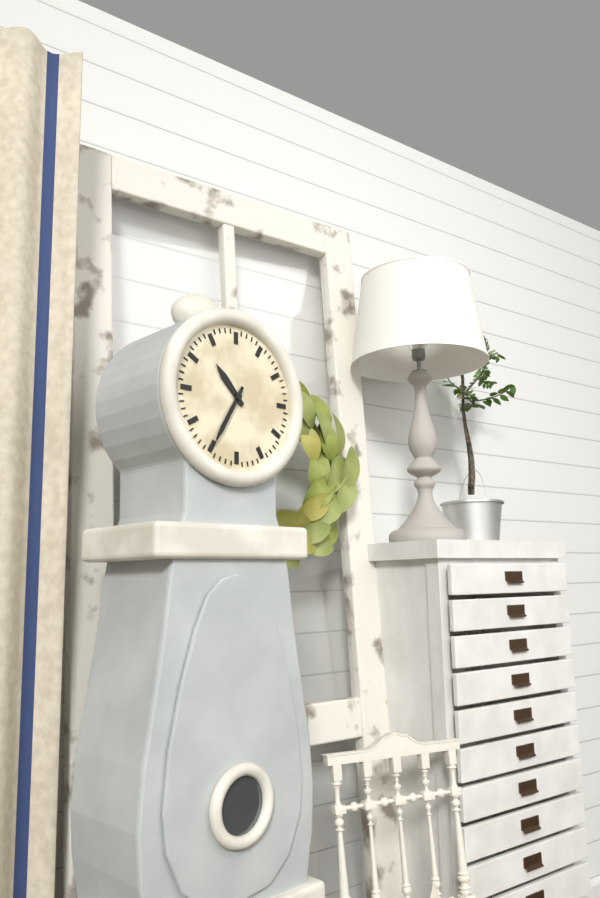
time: **10:35**
